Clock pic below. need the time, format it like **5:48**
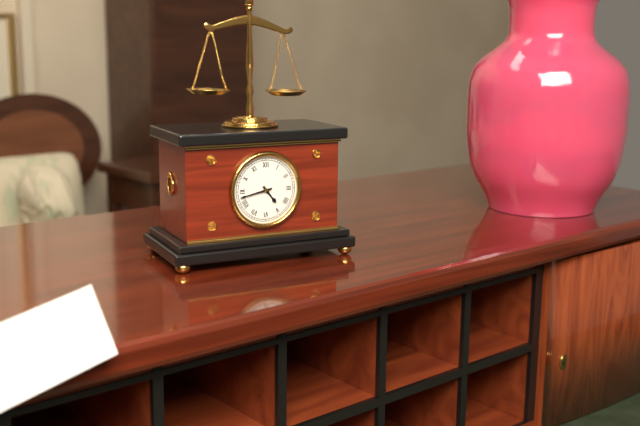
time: **4:43**
